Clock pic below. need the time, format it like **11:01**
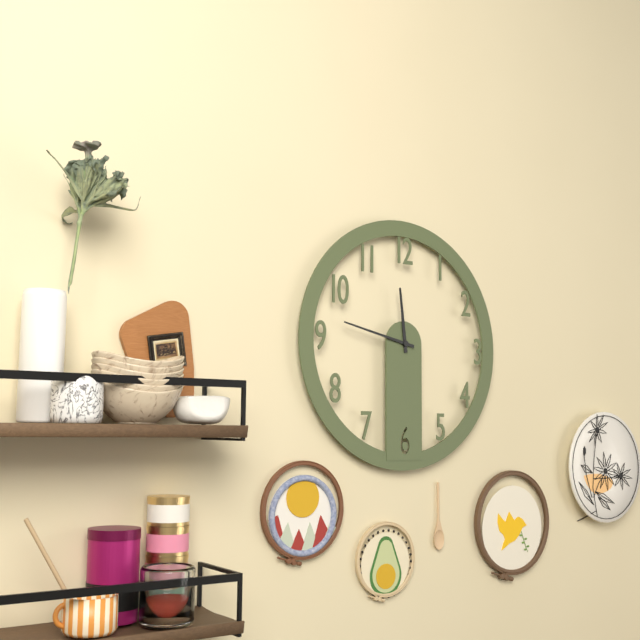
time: **11:47**
